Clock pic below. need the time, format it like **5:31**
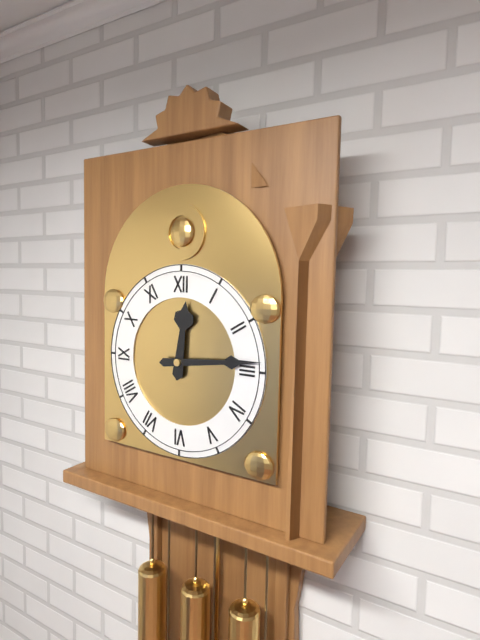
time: **12:14**
